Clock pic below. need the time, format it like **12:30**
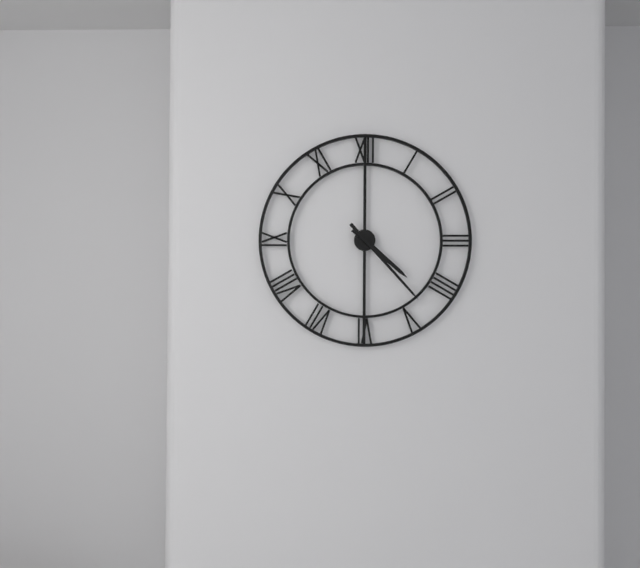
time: **4:23**
